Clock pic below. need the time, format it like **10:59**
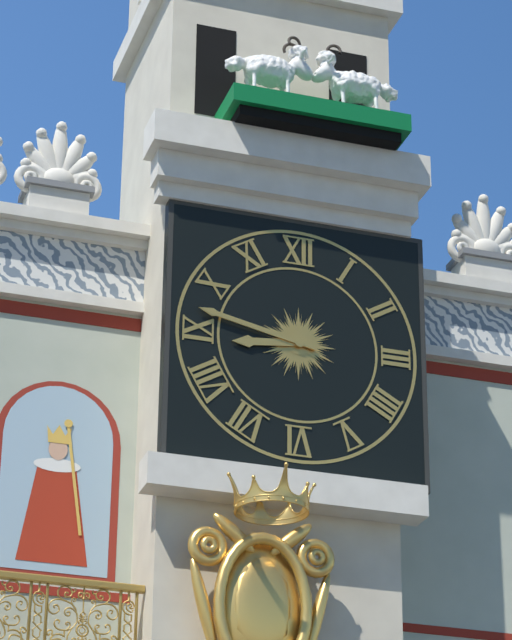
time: **8:47**
